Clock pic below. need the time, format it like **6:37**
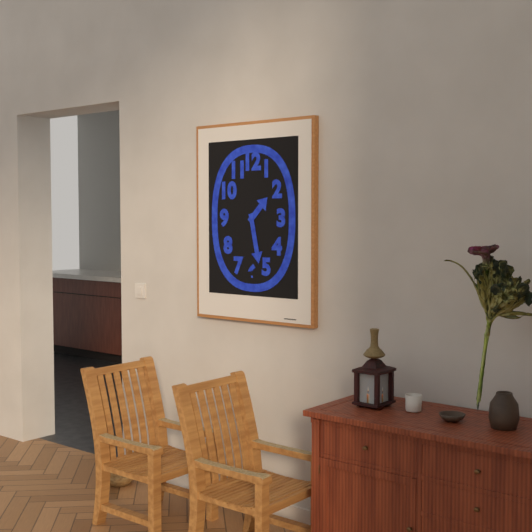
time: **1:28**
